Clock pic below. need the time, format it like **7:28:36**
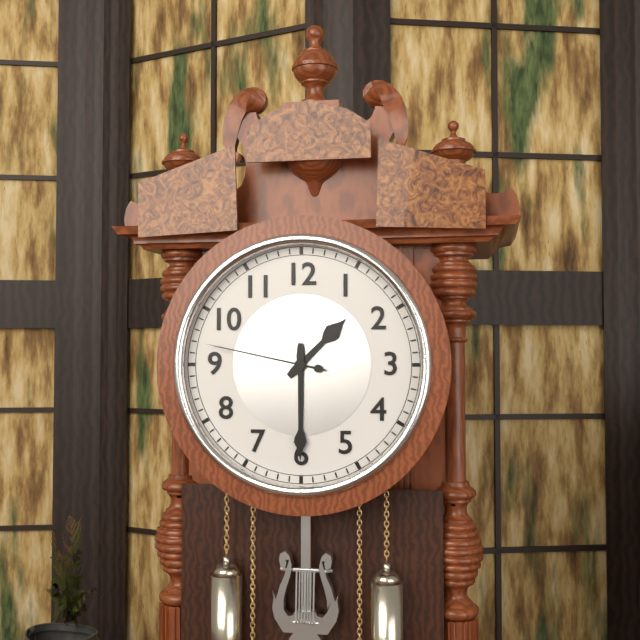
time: **1:30:47**
